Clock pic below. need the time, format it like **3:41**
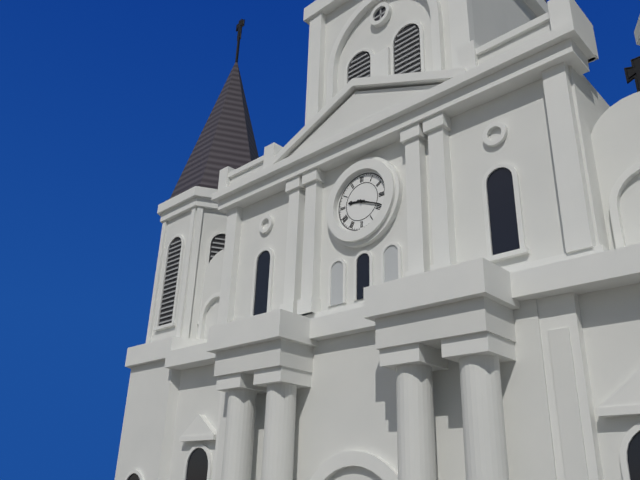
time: **9:19**
